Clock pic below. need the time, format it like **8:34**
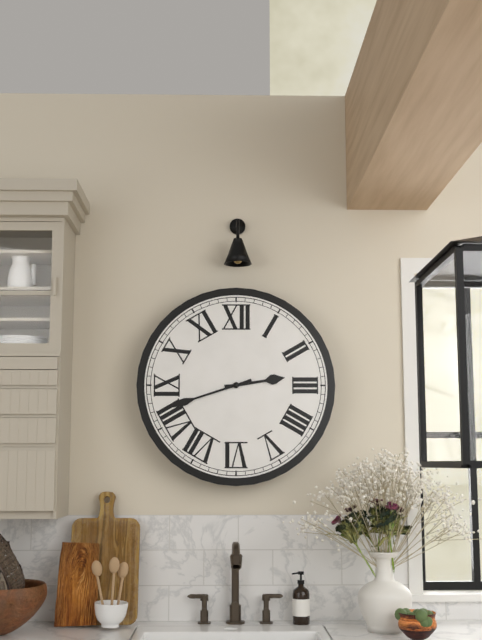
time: **2:42**
